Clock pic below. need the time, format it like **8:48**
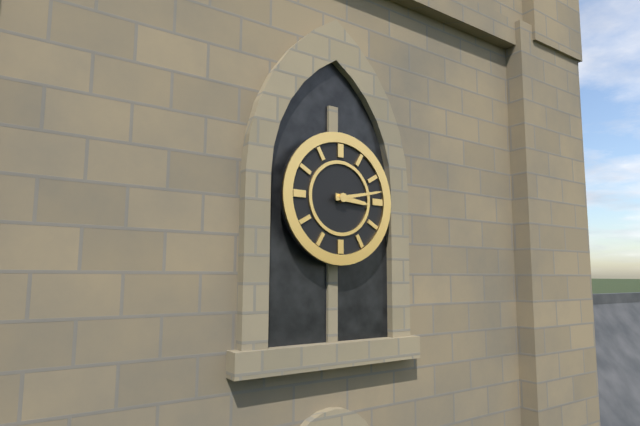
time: **3:13**
